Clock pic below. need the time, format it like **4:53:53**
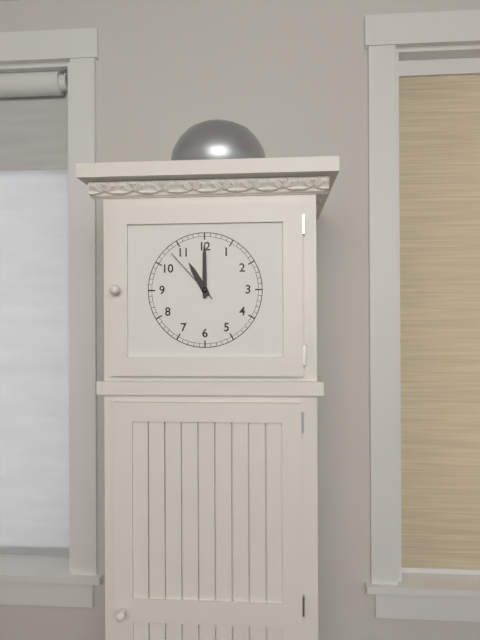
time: **11:00:53**
